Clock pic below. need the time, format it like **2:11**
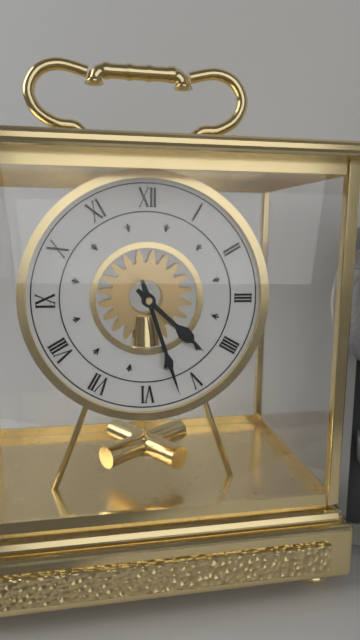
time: **4:27**
